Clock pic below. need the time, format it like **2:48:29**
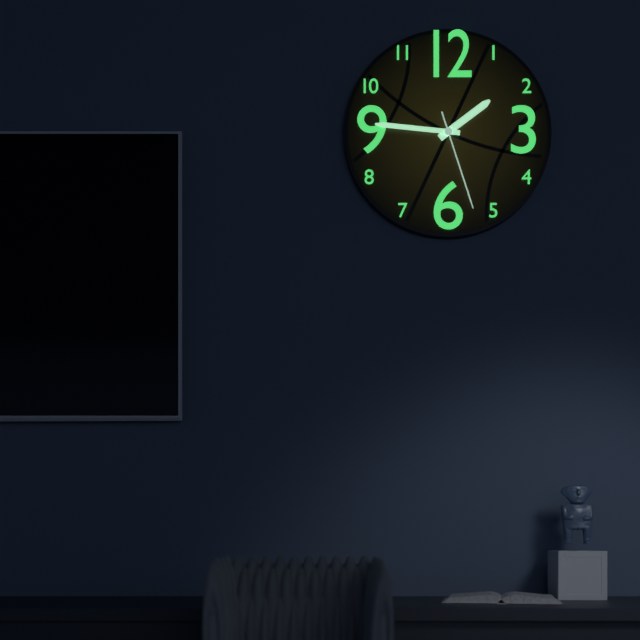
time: **1:46:27**
